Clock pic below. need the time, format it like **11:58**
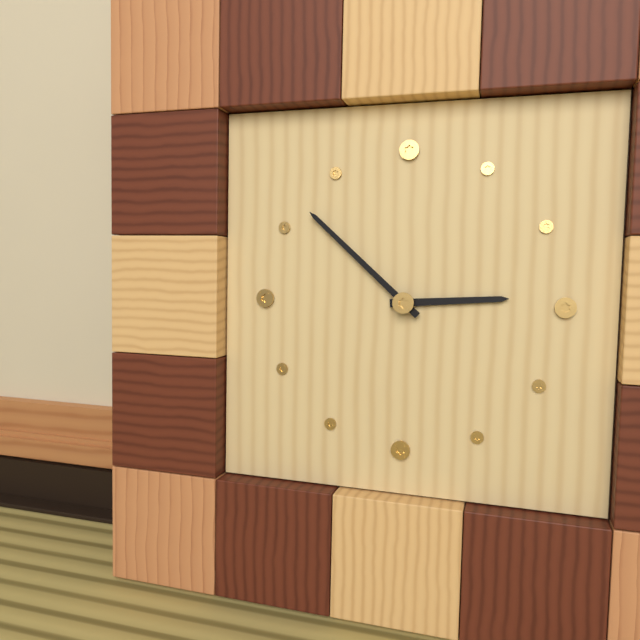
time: **2:52**
